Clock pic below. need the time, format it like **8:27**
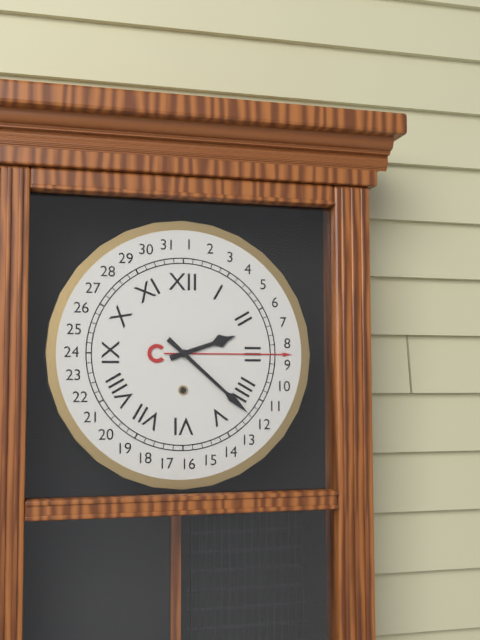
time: **2:22**
